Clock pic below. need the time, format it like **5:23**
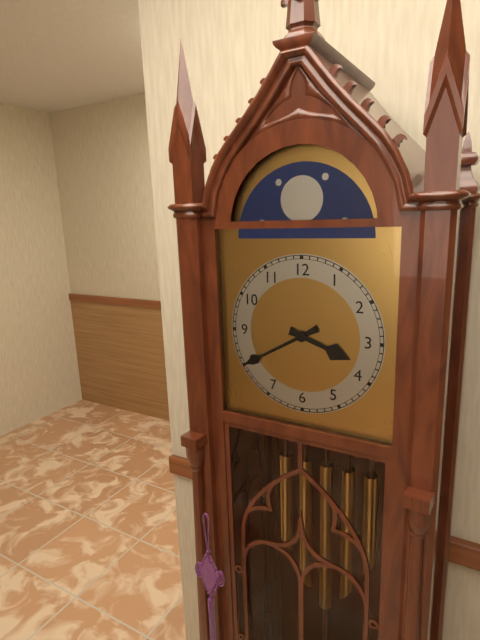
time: **3:40**
